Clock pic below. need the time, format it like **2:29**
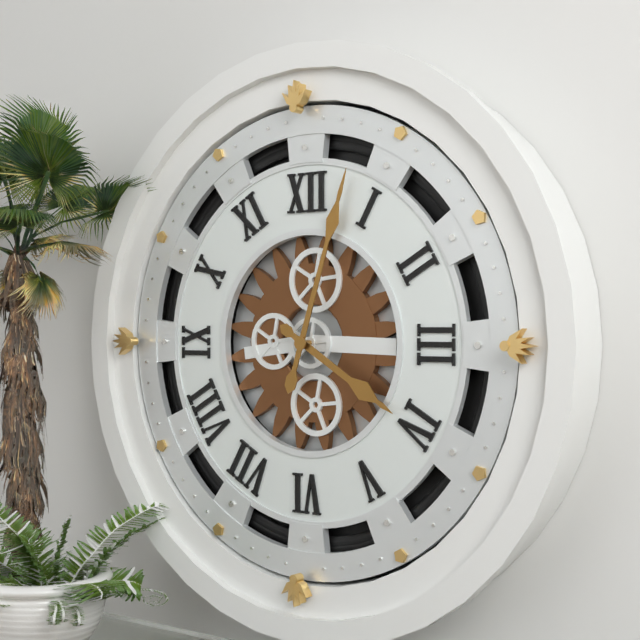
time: **4:03**
